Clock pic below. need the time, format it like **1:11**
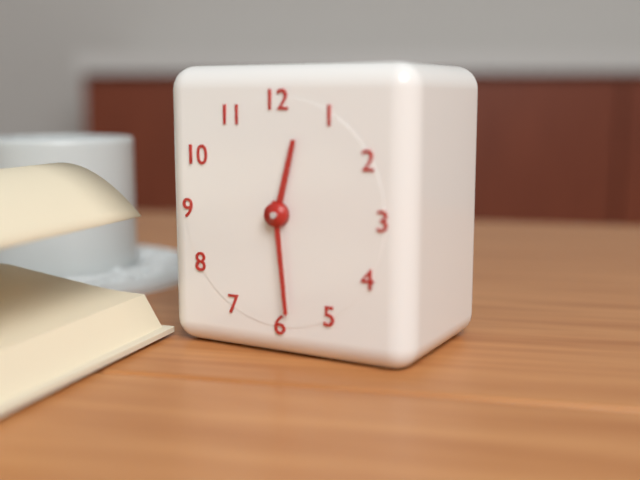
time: **12:29**
